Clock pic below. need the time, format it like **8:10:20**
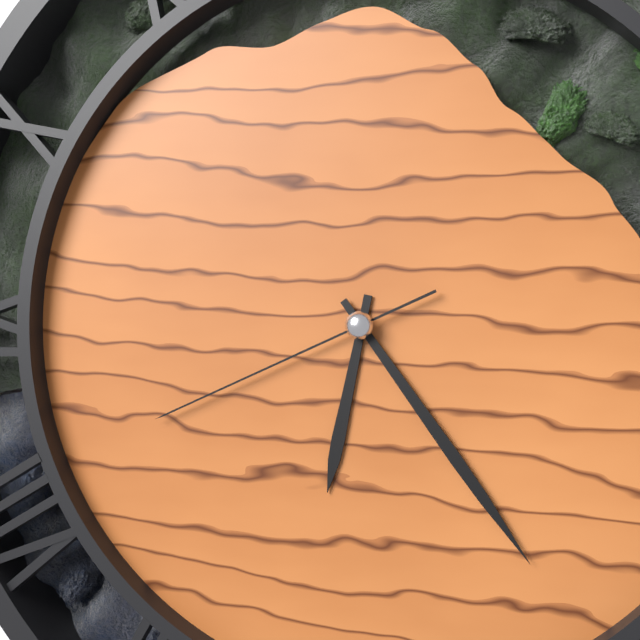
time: **6:24:41**
